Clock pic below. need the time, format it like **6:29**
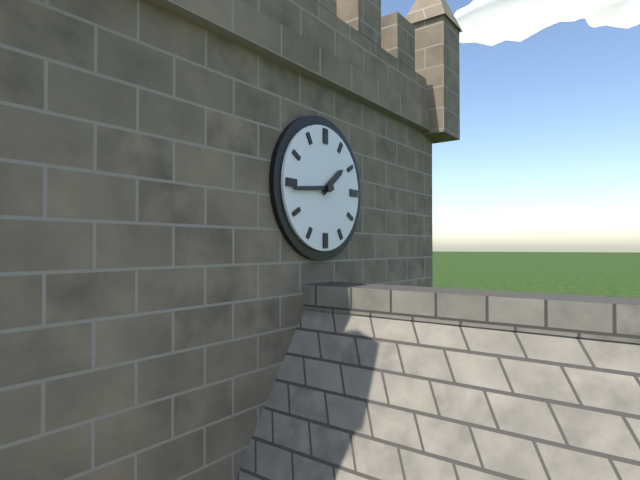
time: **1:44**
